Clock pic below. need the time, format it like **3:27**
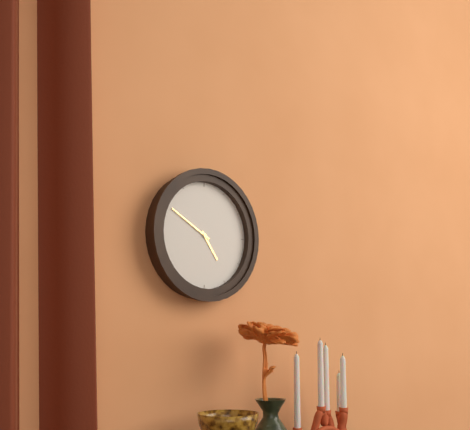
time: **4:50**
